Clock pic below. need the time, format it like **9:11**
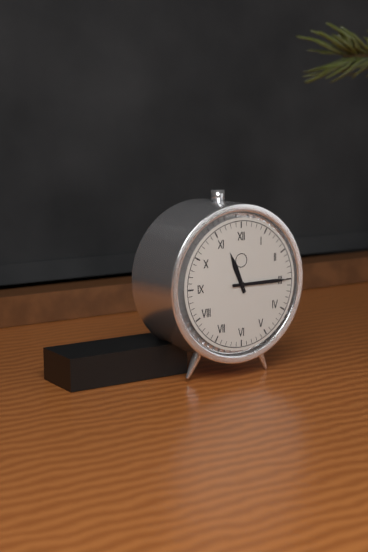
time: **11:15**
